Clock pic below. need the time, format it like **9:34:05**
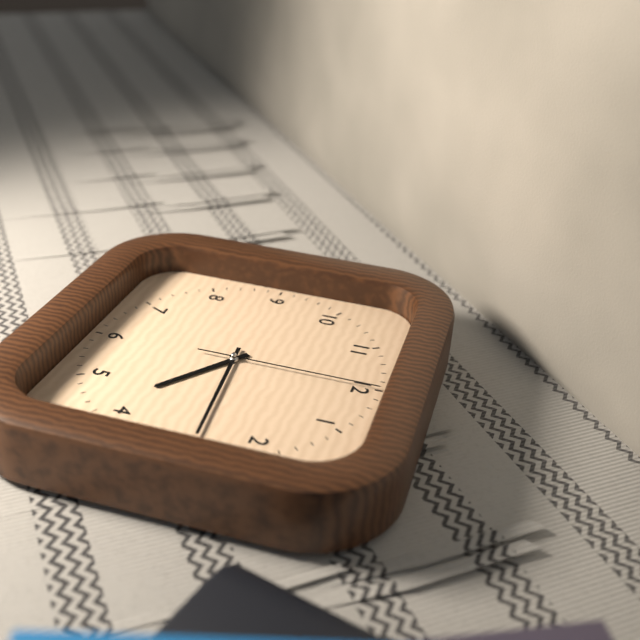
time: **4:14:00**
